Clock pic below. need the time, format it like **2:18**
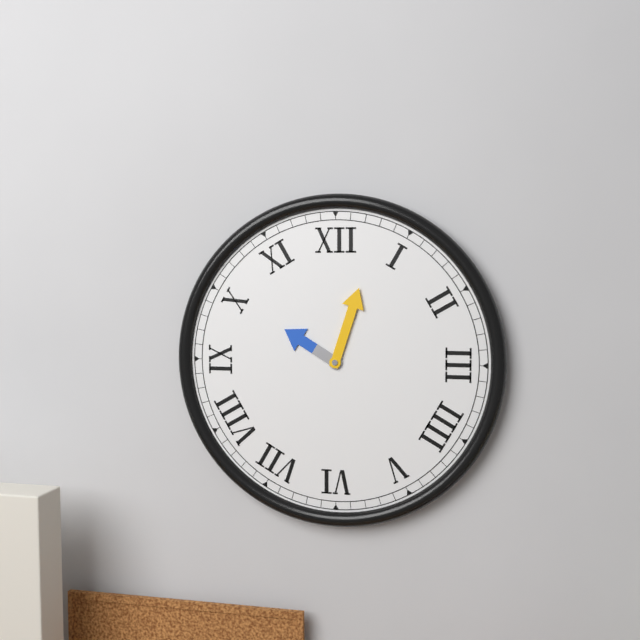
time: **10:03**
